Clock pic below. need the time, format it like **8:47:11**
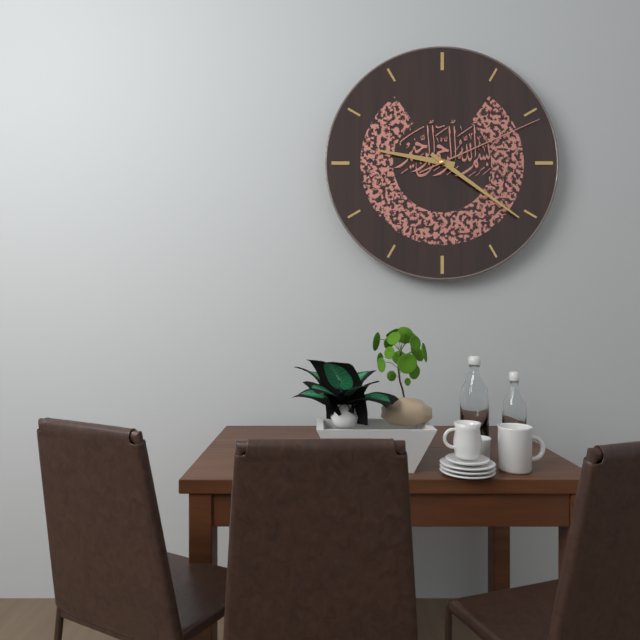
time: **9:21:11**
